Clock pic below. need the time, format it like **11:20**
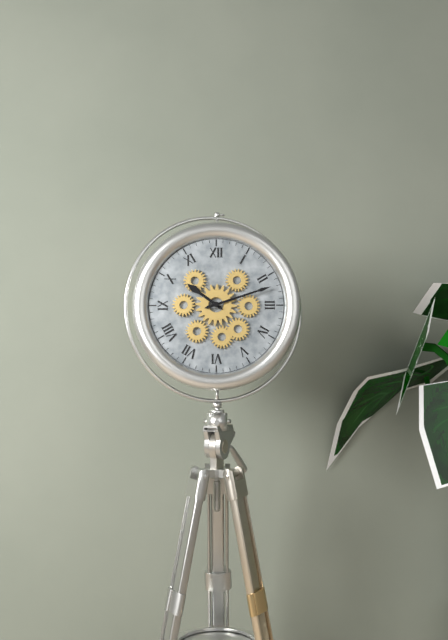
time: **10:12**
